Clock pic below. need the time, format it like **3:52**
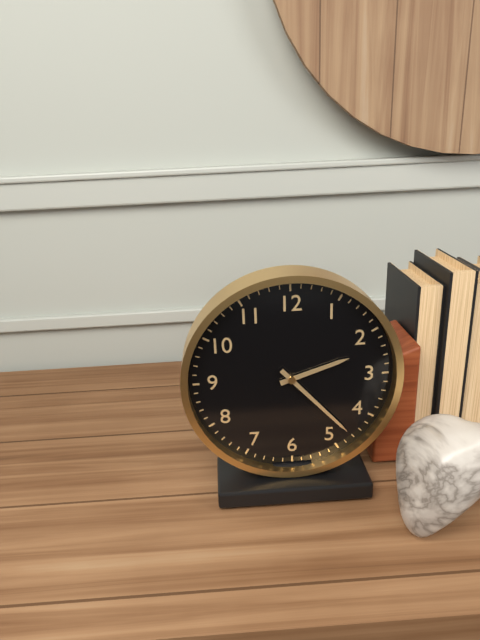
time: **2:23**
